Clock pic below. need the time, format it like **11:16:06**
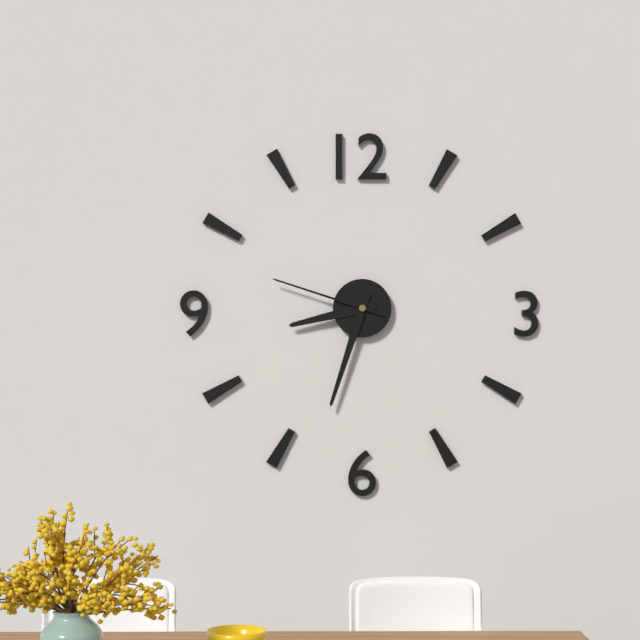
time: **8:33:48**
